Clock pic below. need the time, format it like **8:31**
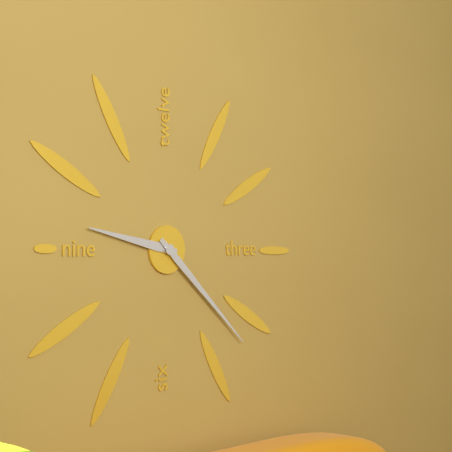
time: **9:22**
